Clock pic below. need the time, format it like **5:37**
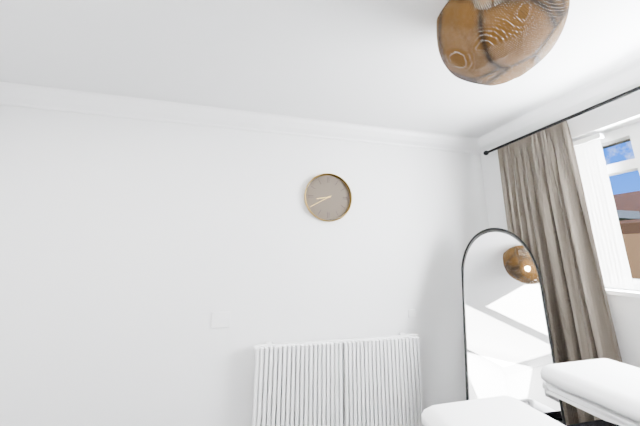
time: **8:40**
